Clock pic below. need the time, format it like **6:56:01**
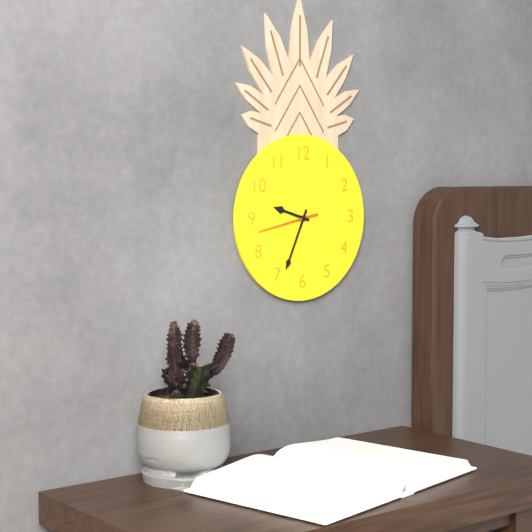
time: **9:34:43**
